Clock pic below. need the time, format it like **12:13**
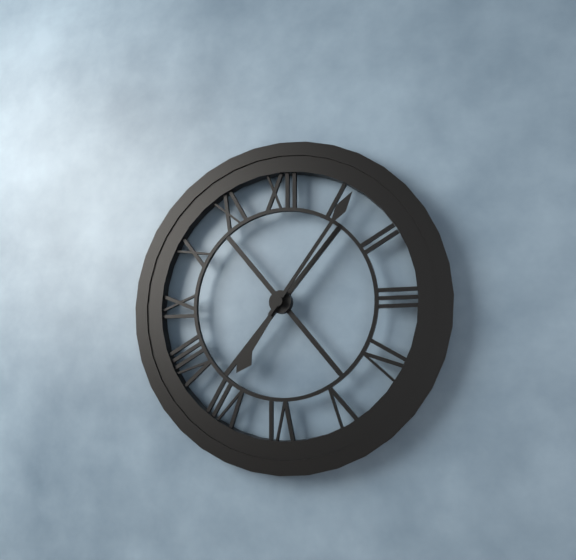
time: **7:06**
